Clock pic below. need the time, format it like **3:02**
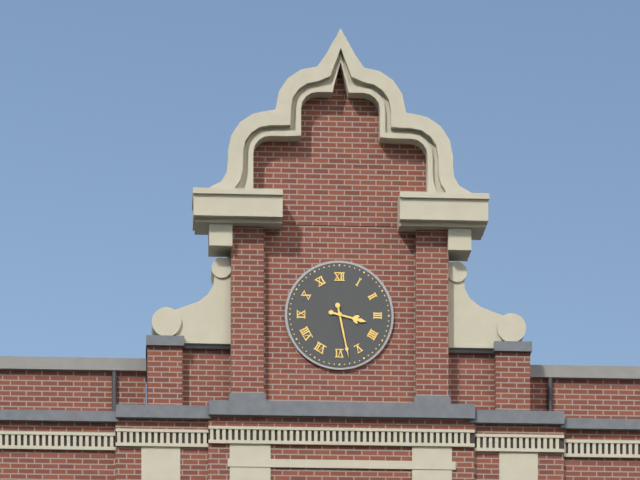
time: **3:28**
